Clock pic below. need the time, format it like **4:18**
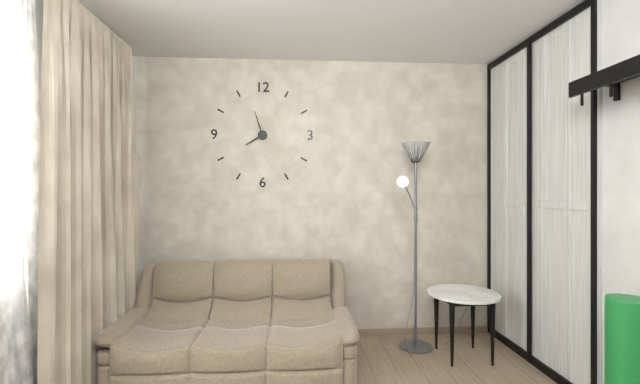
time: **7:57**
